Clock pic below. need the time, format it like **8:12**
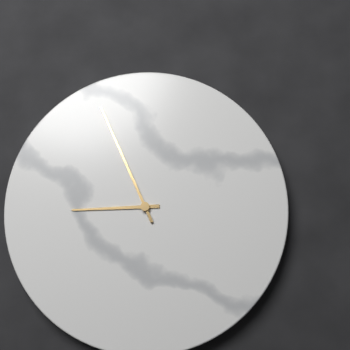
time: **8:56**
